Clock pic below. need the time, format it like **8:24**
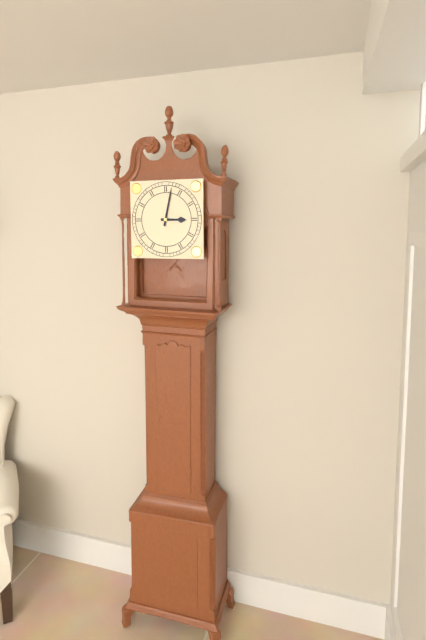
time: **3:02**
